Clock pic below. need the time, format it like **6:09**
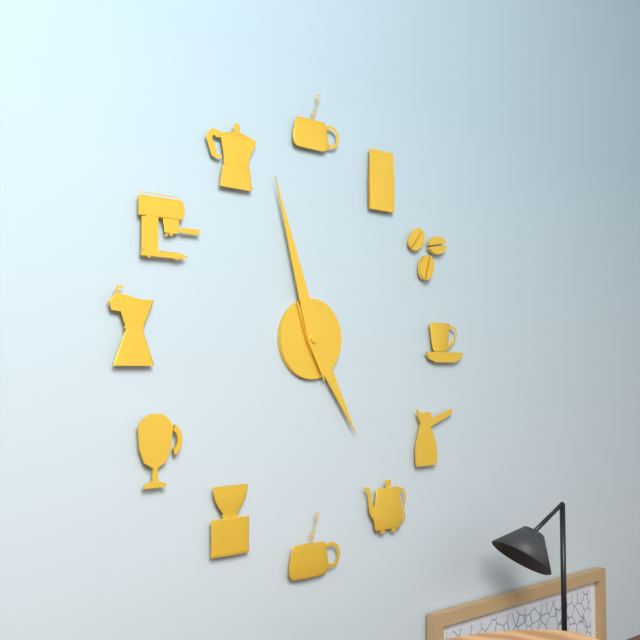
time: **4:57**
